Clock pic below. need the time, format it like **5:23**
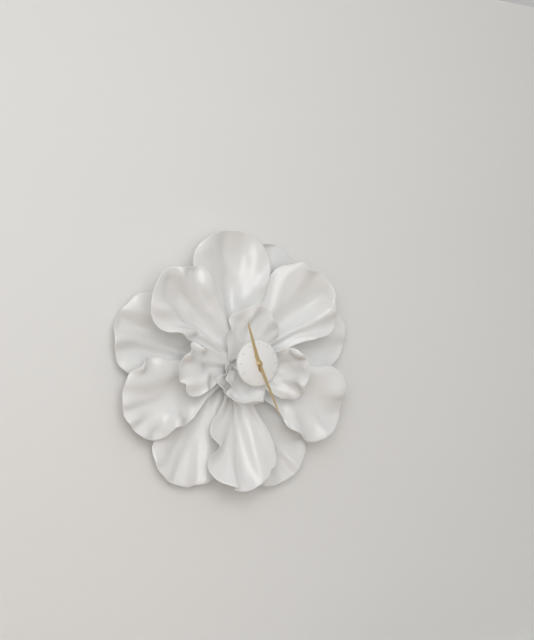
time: **11:26**
